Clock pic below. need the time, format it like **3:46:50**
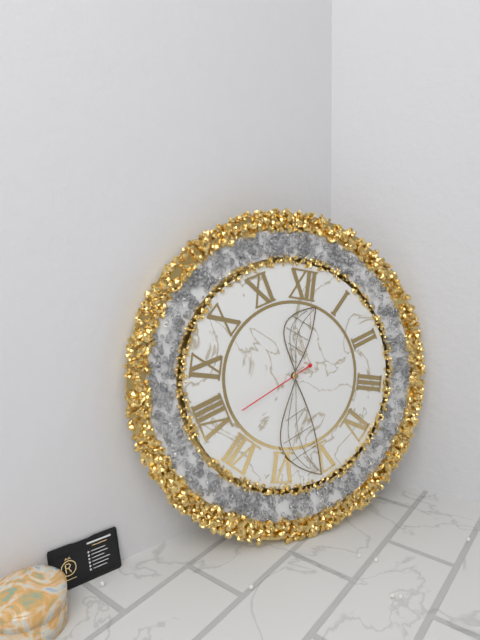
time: **12:26:39**
